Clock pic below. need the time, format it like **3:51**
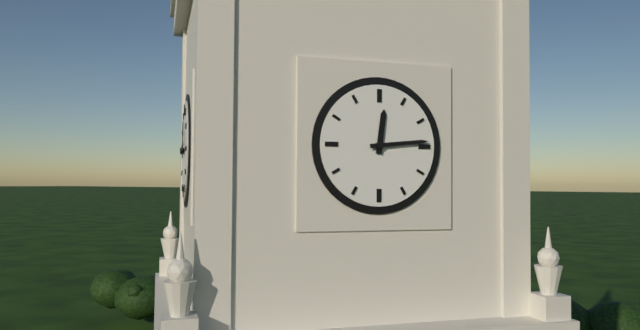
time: **12:14**
